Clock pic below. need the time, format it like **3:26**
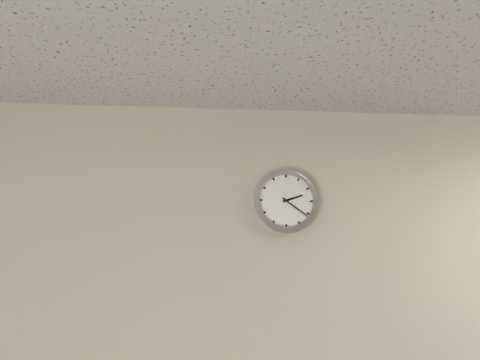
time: **2:21**
